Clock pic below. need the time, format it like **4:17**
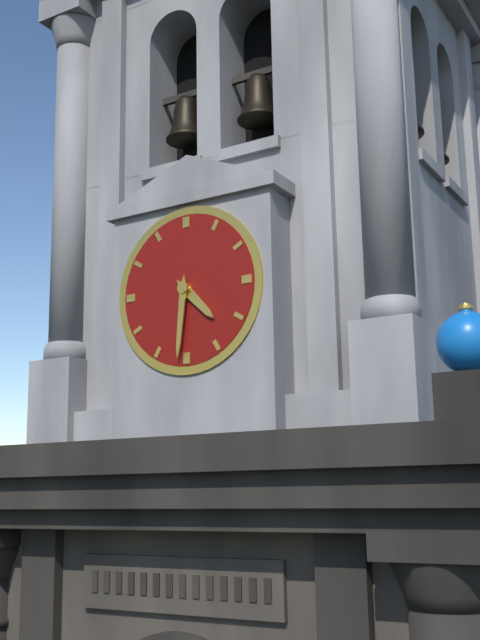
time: **4:31**
